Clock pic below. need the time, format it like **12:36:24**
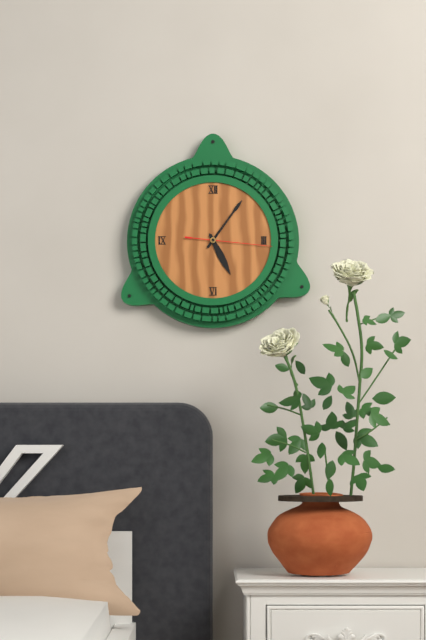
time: **5:06:16**
